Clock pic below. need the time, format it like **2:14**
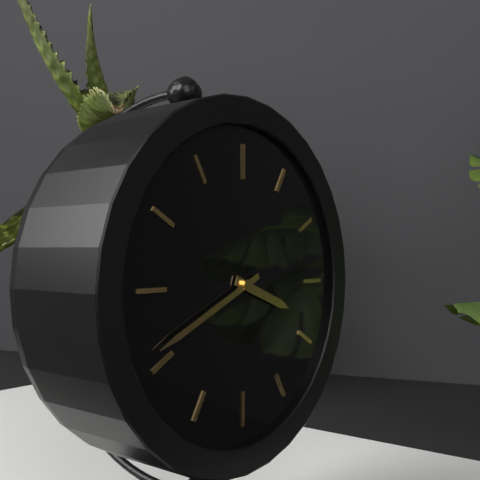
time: **3:41**
